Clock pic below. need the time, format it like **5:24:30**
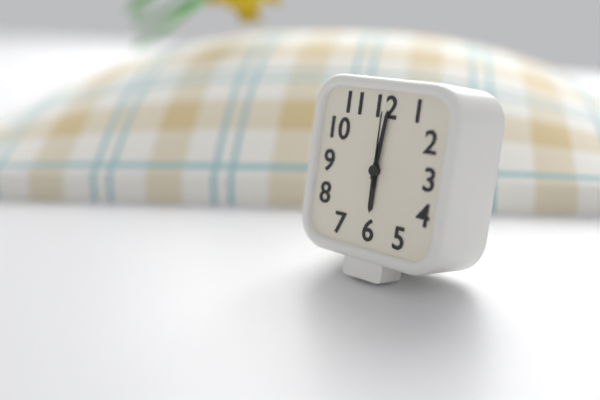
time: **6:01:00**
